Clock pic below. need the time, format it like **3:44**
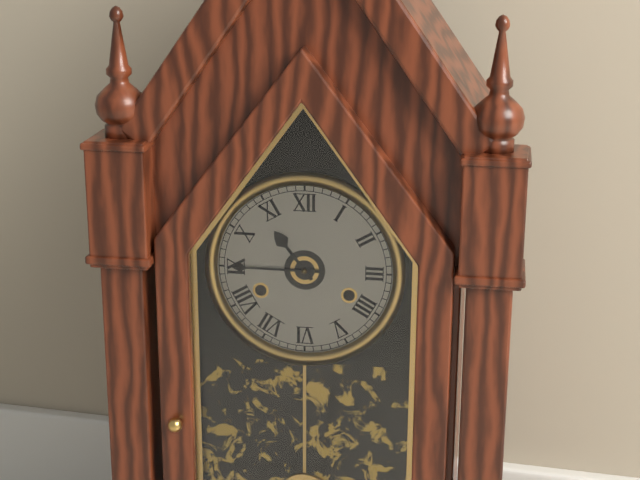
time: **10:45**
